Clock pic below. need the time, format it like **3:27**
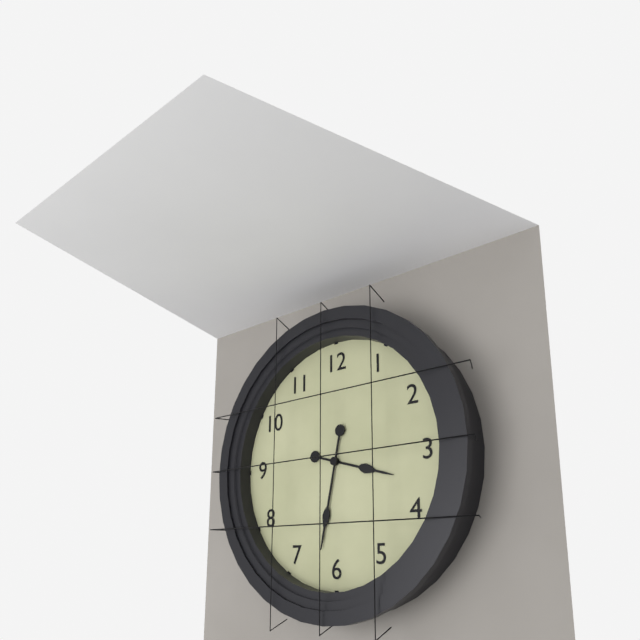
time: **3:32**
